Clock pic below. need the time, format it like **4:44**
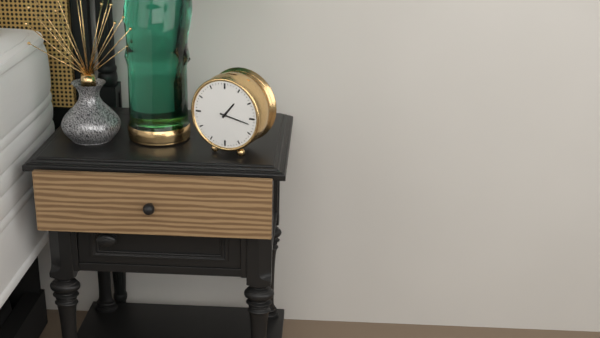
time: **1:17**
